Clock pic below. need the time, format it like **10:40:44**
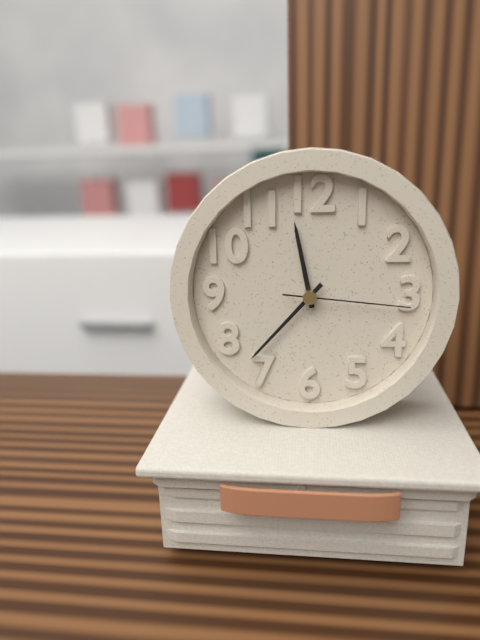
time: **11:37:16**
